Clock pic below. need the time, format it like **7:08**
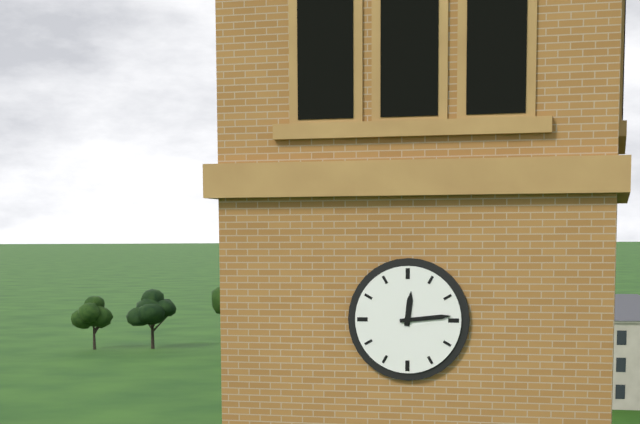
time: **12:14**
